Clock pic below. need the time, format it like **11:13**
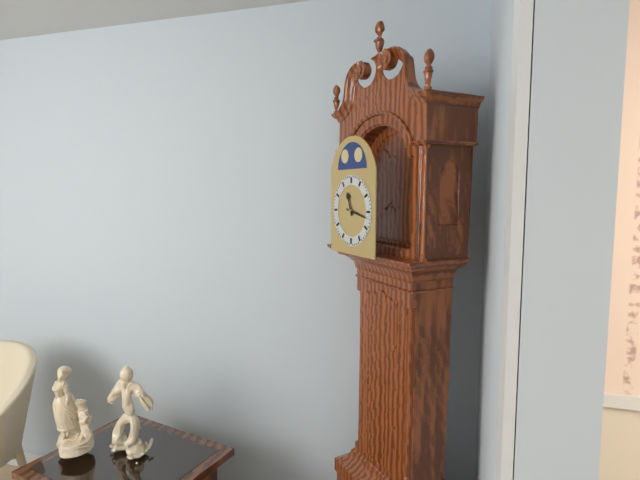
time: **11:17**
